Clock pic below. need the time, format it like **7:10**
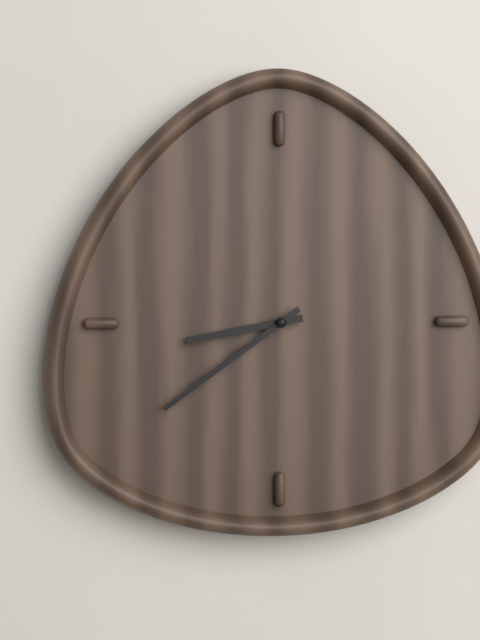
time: **8:39**
